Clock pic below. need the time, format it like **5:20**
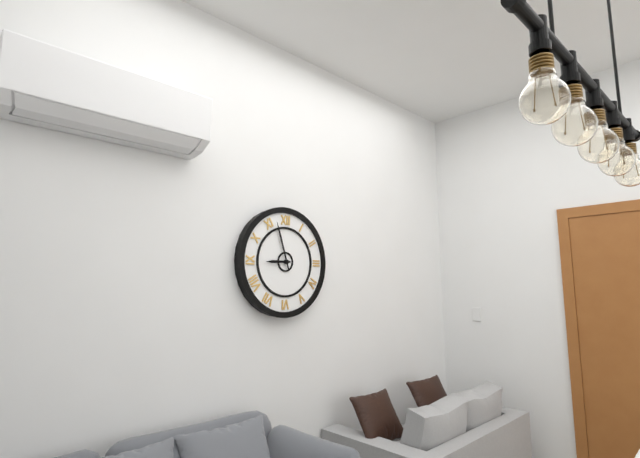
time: **8:57**
